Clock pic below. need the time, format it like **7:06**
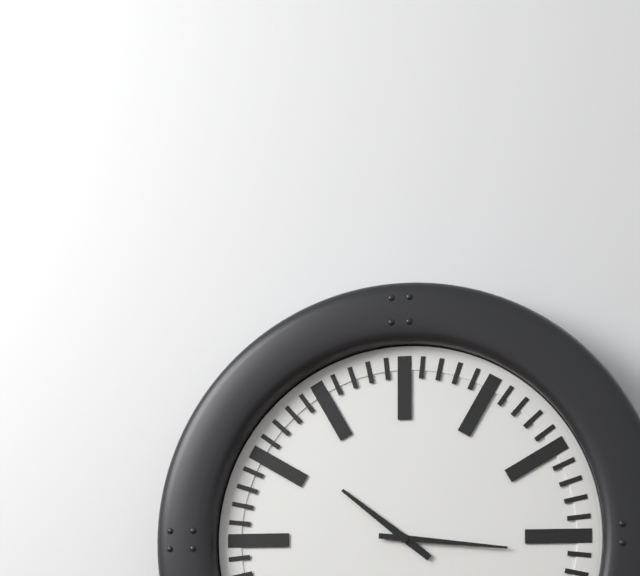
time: **10:16**
